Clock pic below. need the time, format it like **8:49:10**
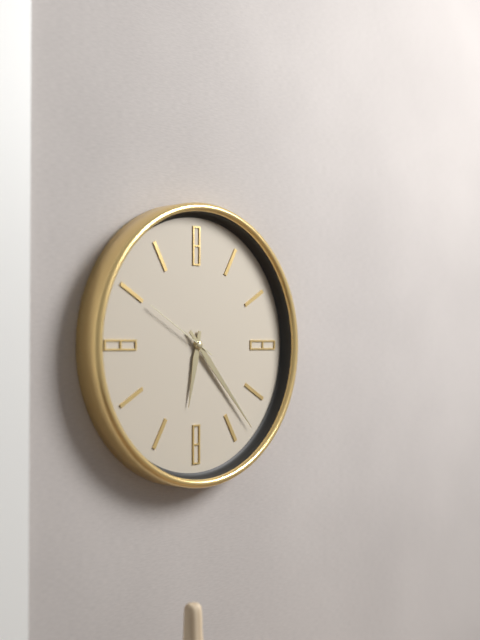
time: **6:23:50**
